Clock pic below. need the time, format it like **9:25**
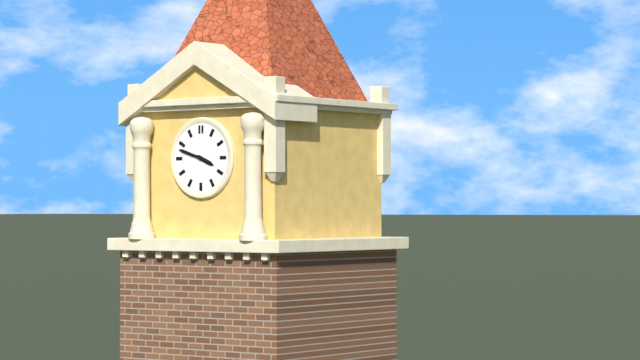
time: **3:48**
